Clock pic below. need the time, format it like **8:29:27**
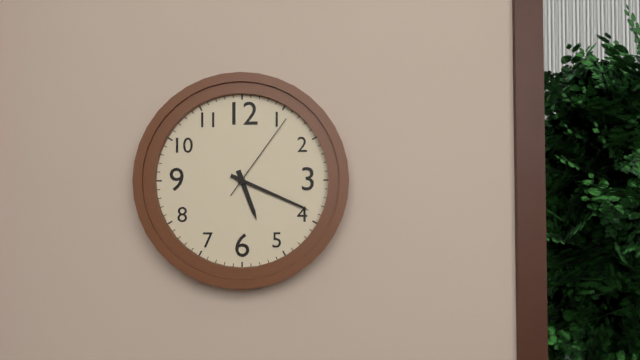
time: **5:19:06**
